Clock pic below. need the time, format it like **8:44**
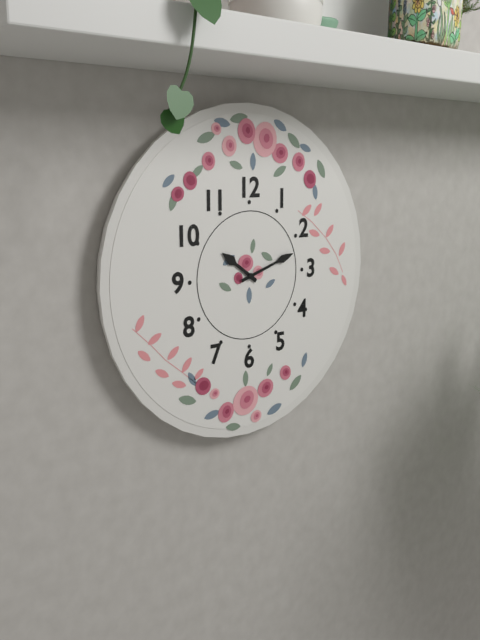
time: **10:12**
